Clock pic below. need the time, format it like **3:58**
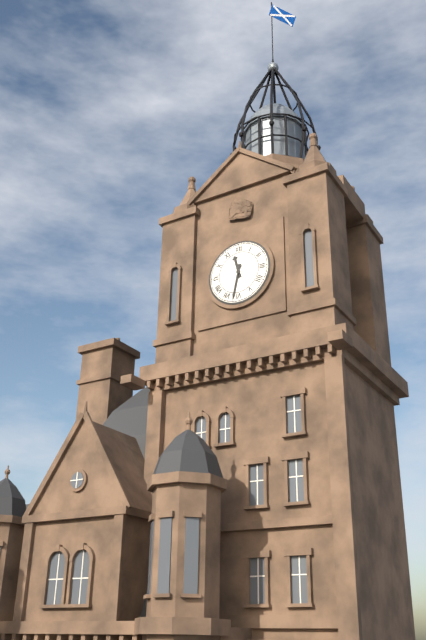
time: **11:32**
